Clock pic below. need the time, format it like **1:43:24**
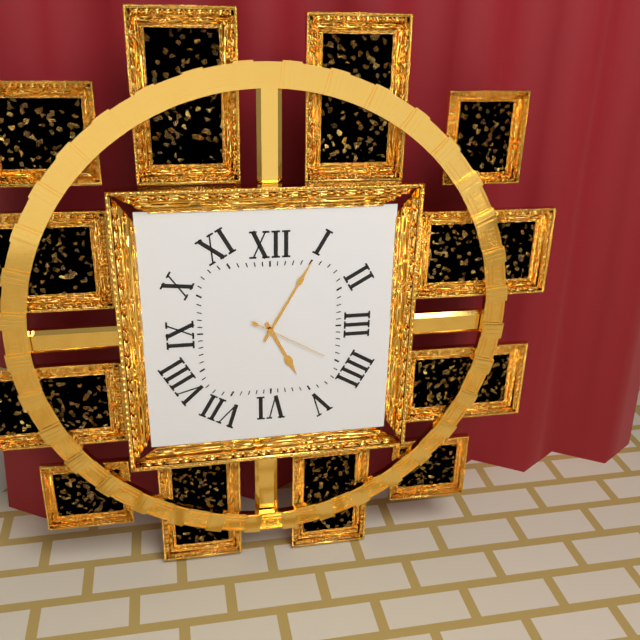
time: **5:05:20**
